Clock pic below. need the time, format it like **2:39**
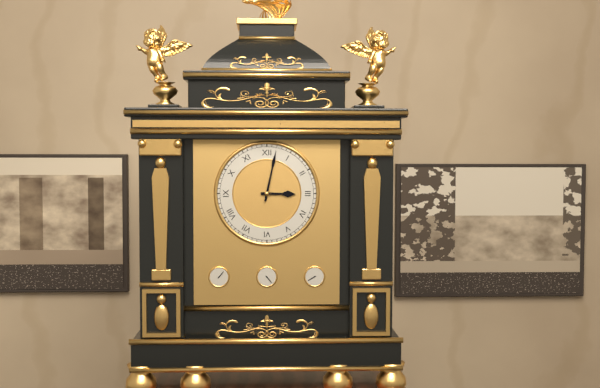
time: **3:02**
